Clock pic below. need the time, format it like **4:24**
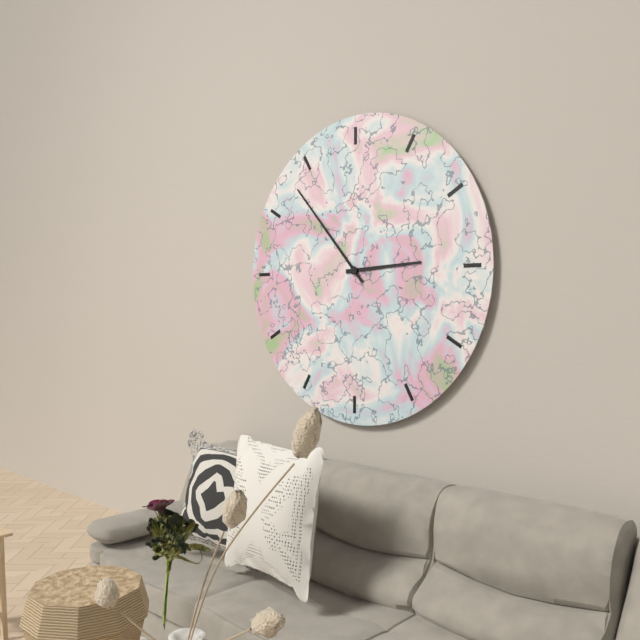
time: **2:53**
